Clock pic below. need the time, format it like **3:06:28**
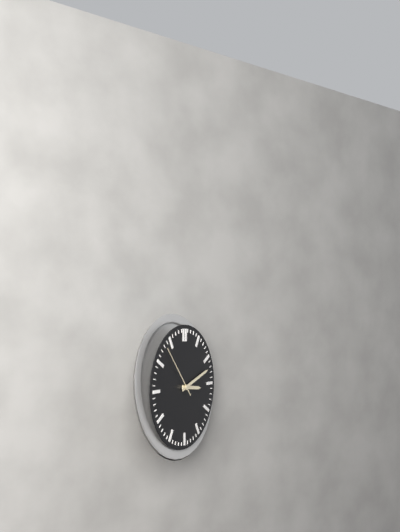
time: **3:12:53**
